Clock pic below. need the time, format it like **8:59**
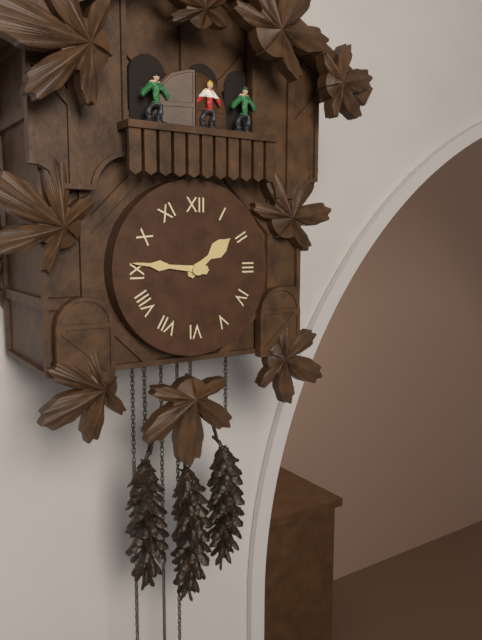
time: **1:46**
